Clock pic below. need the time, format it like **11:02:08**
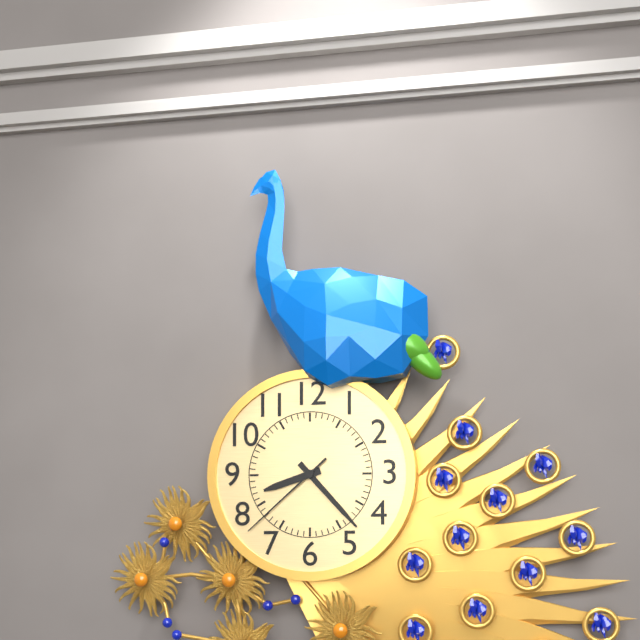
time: **8:23:38**
